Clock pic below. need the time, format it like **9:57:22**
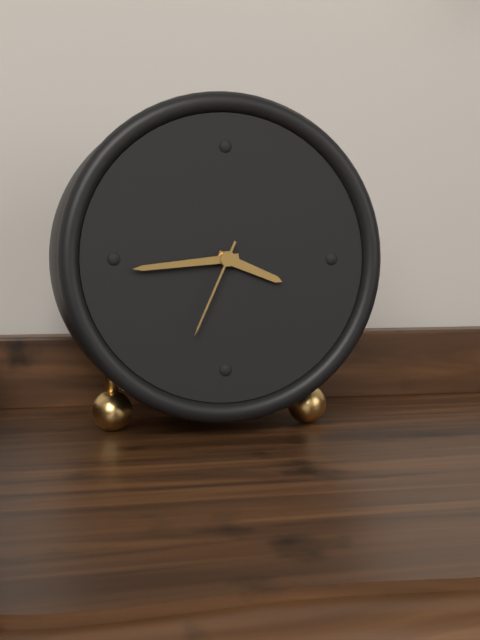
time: **3:44:34**
